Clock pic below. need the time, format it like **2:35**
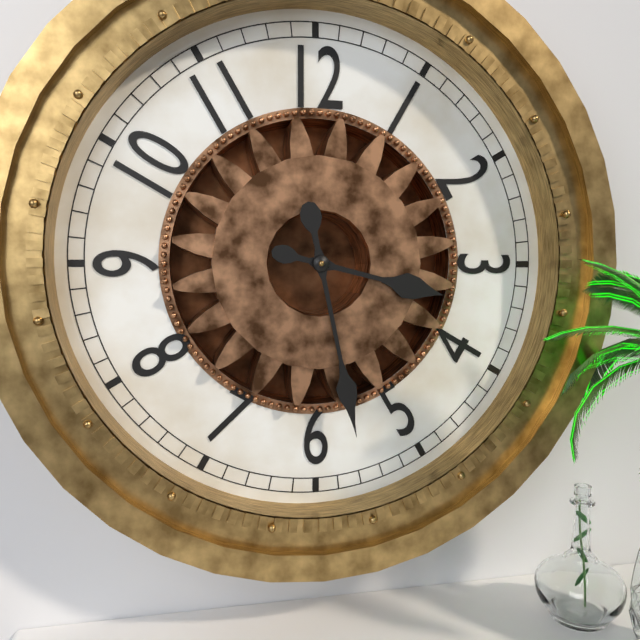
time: **3:28**
